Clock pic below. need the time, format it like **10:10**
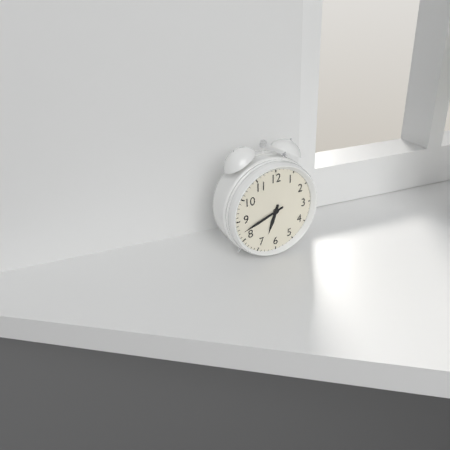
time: **6:42**
